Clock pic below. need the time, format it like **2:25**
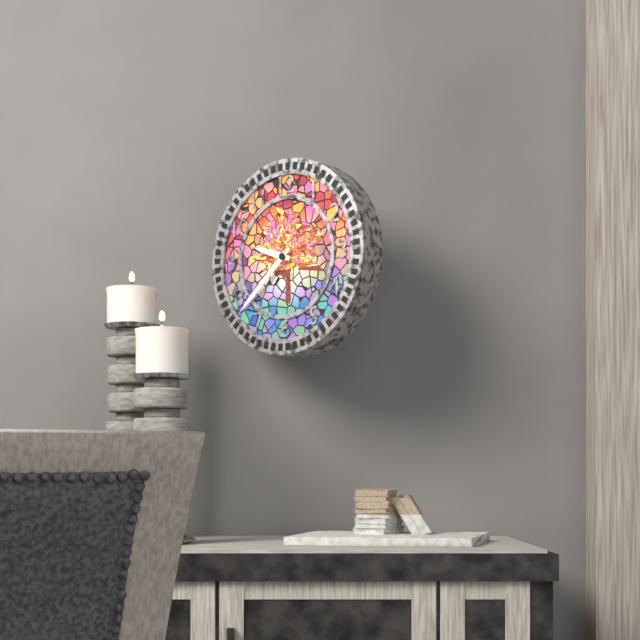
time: **9:38**
